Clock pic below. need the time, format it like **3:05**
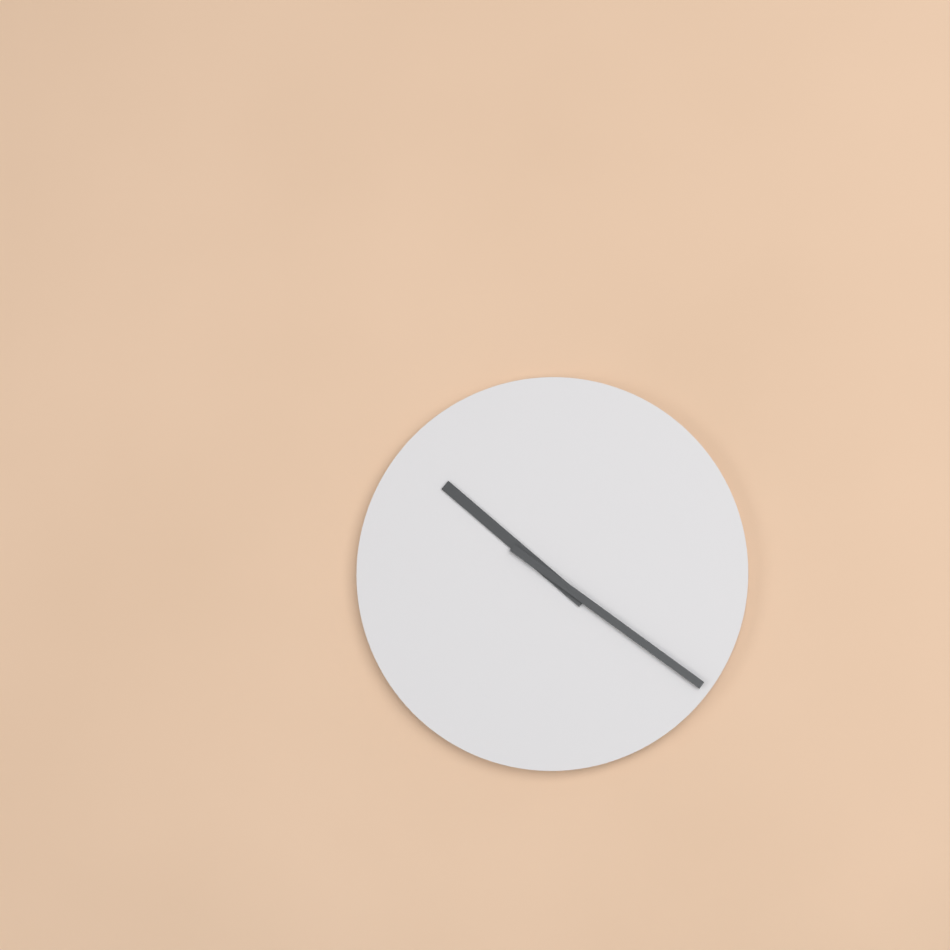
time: **10:21**
